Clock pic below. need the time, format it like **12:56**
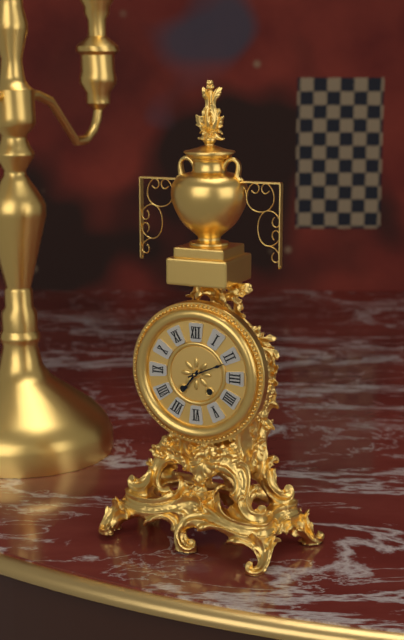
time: **7:11**
